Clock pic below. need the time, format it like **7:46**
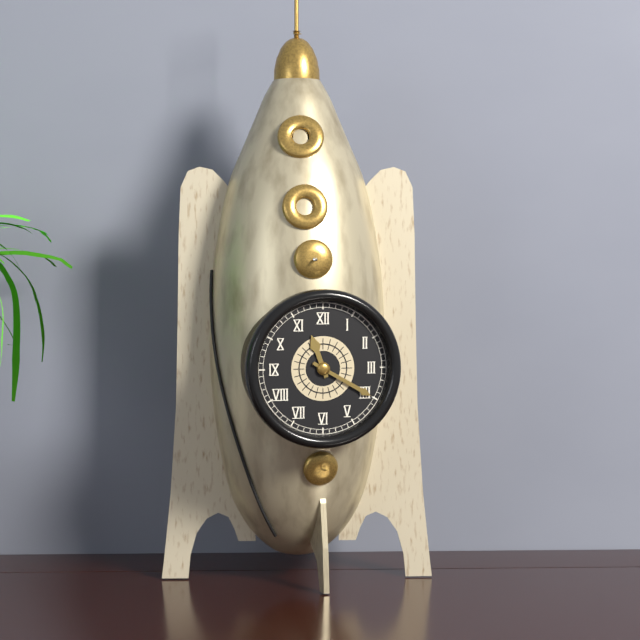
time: **11:20**
